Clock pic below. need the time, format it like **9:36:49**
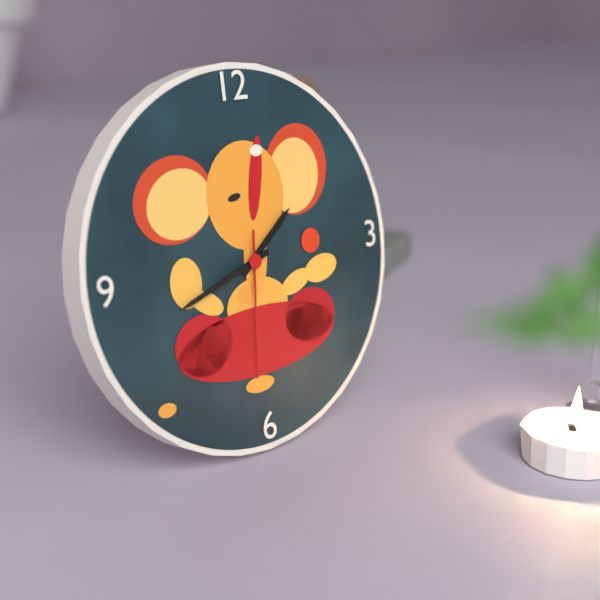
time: **1:42:31**
